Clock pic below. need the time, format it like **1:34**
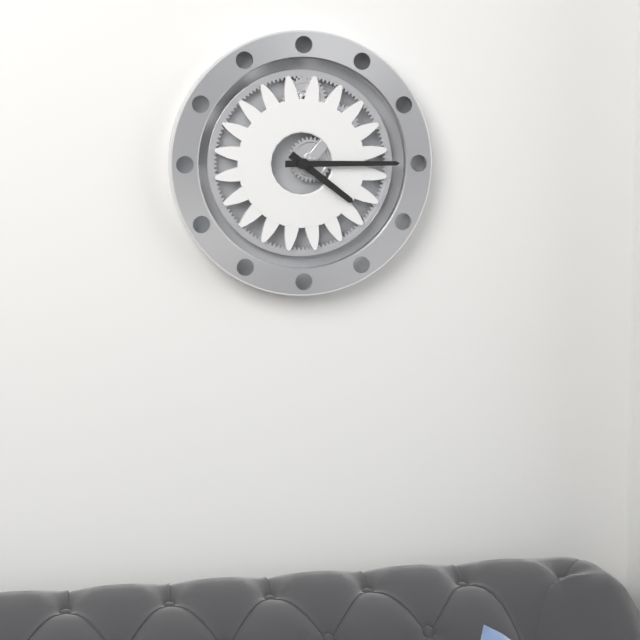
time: **4:15**
